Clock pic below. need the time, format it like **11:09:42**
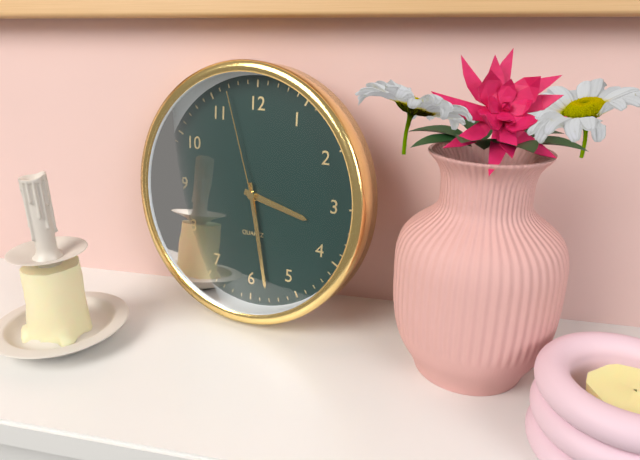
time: **3:28:57**
